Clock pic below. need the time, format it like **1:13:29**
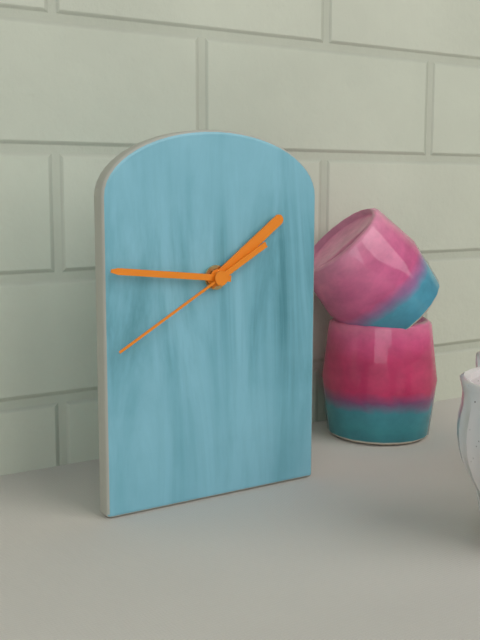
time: **1:46:40**
